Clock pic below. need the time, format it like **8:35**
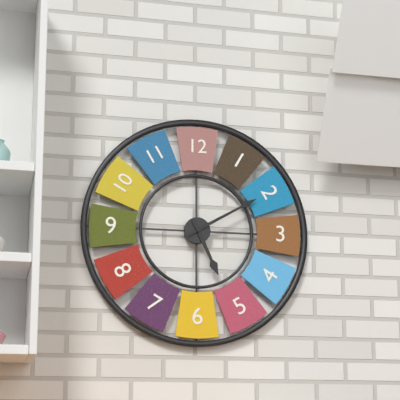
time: **5:10**
